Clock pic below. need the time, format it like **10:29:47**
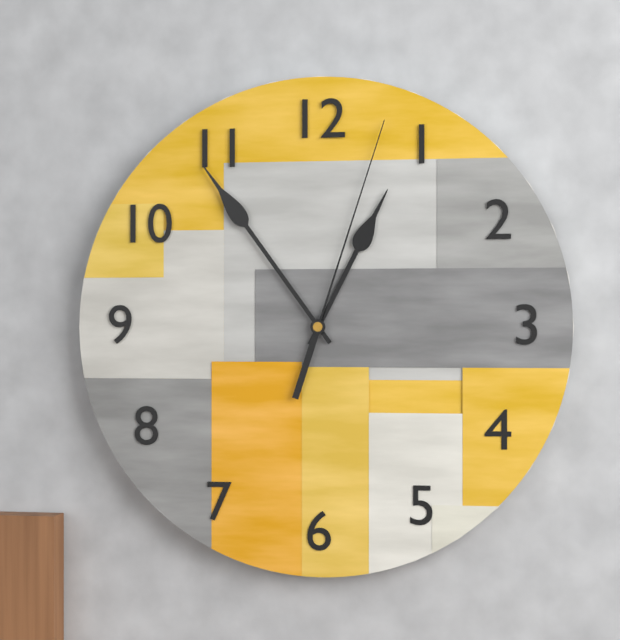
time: **12:54:03**
